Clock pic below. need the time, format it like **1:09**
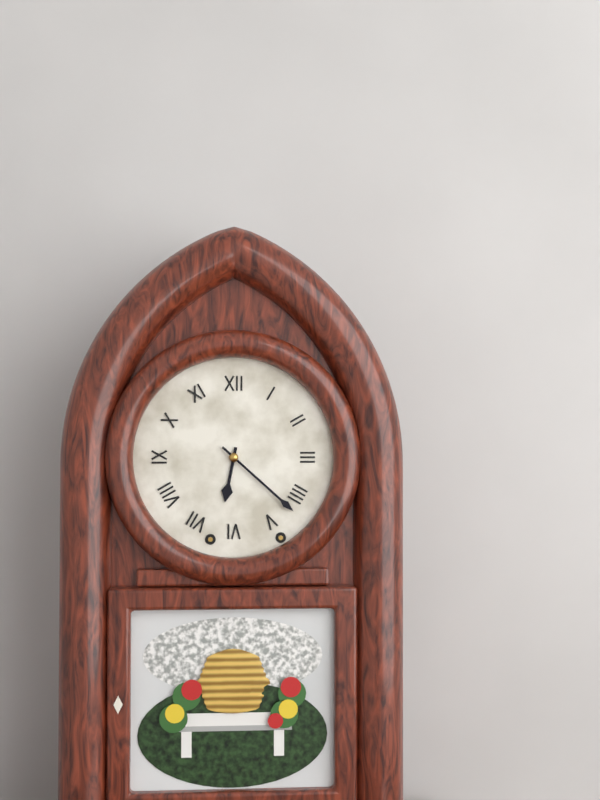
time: **6:22**
